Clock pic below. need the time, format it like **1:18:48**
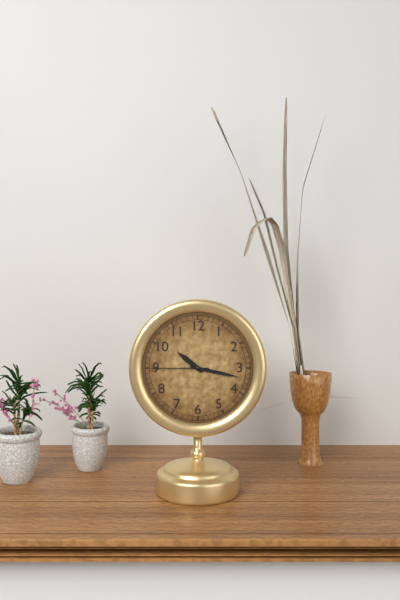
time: **10:17:45**
